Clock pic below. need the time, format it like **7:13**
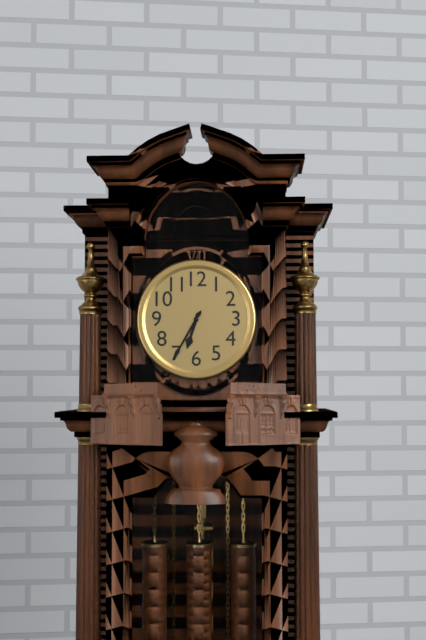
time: **6:35**
